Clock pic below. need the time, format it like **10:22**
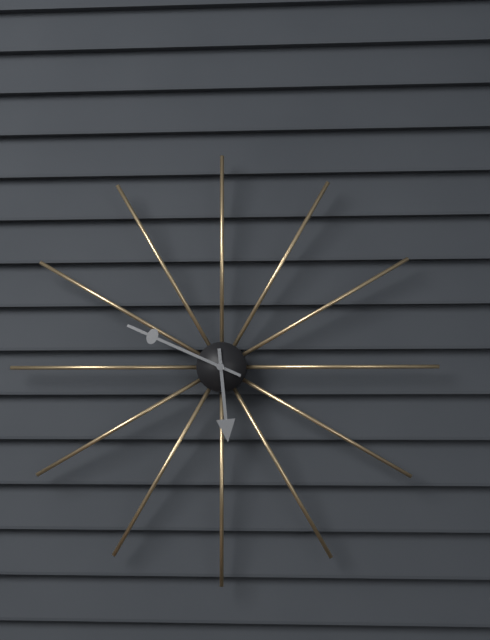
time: **5:49**
